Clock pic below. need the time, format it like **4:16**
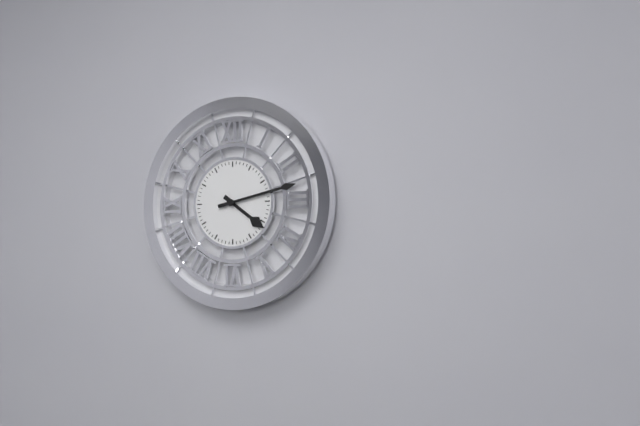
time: **4:13**
